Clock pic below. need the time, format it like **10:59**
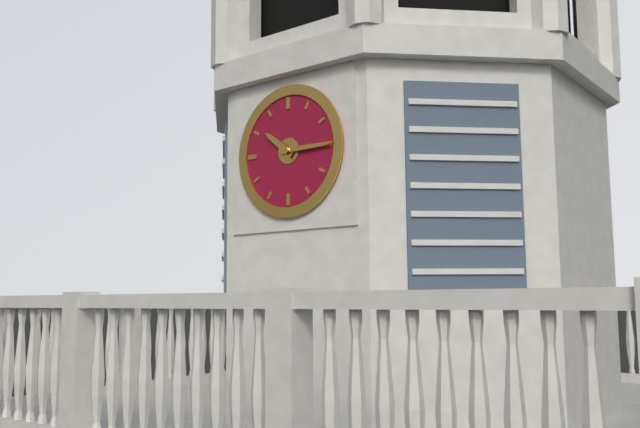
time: **10:15**
